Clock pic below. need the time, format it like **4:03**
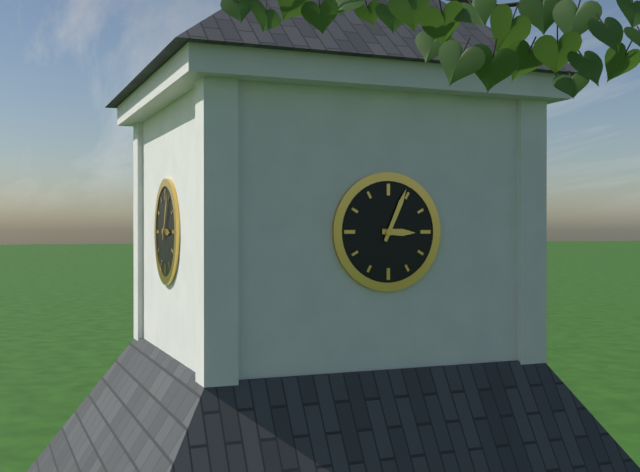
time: **3:04**
